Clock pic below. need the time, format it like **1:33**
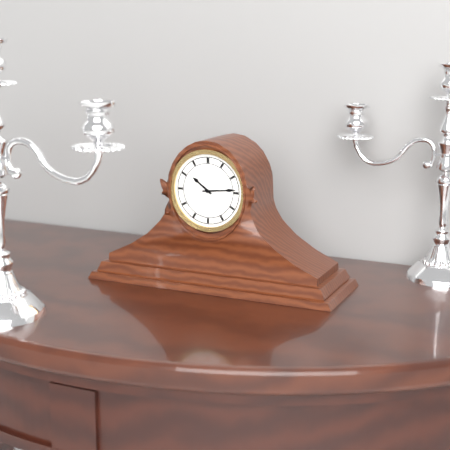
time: **10:14**
